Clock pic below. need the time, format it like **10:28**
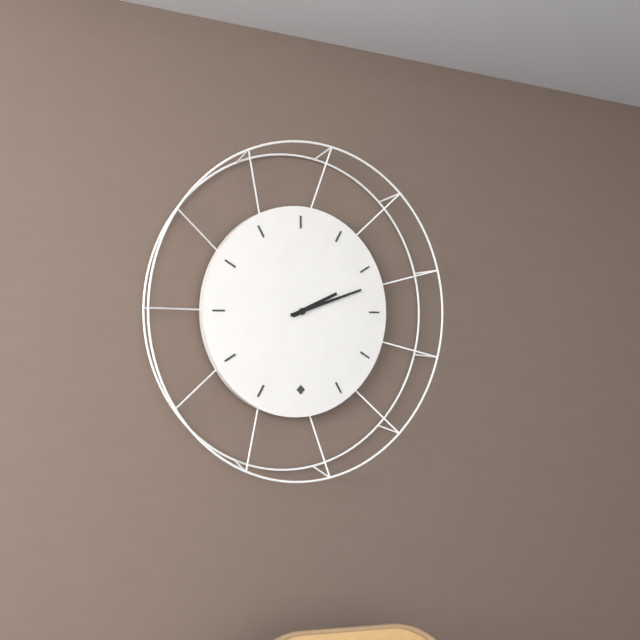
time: **2:12**
